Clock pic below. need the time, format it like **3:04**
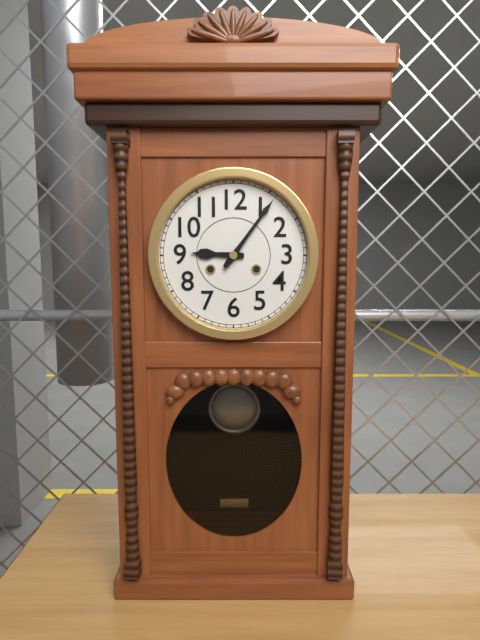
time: **9:06**
